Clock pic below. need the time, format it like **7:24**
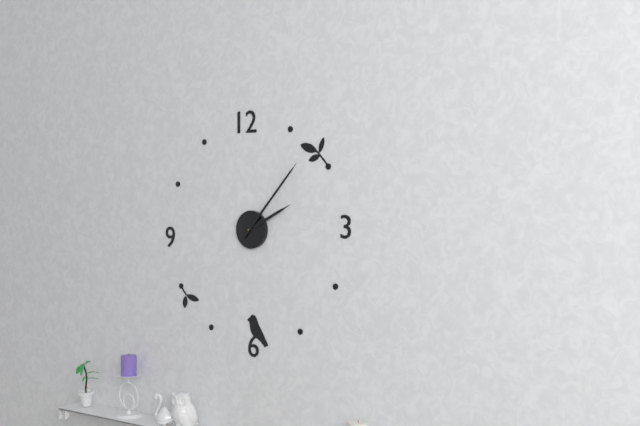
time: **2:07**
